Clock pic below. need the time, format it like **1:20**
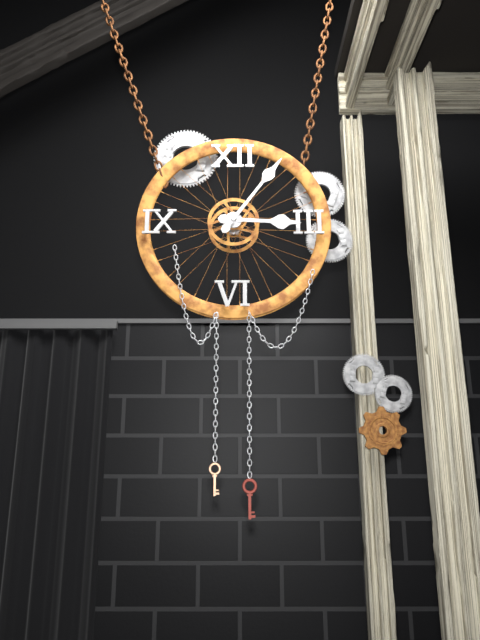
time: **3:06**
